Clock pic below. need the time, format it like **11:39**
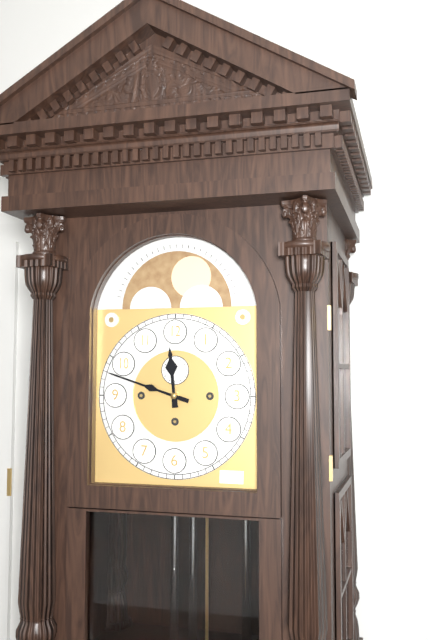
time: **11:48**
